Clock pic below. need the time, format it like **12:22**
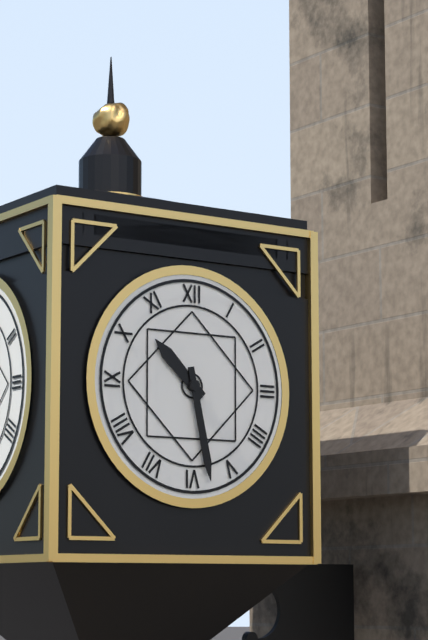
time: **10:28**
